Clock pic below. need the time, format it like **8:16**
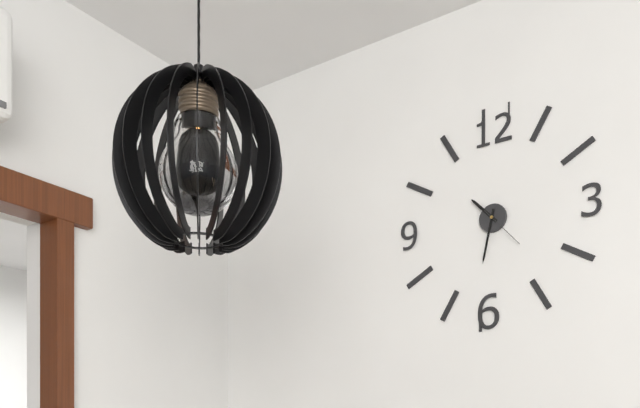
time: **10:32**
